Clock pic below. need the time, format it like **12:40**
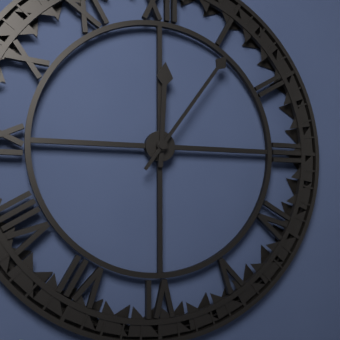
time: **12:06**
